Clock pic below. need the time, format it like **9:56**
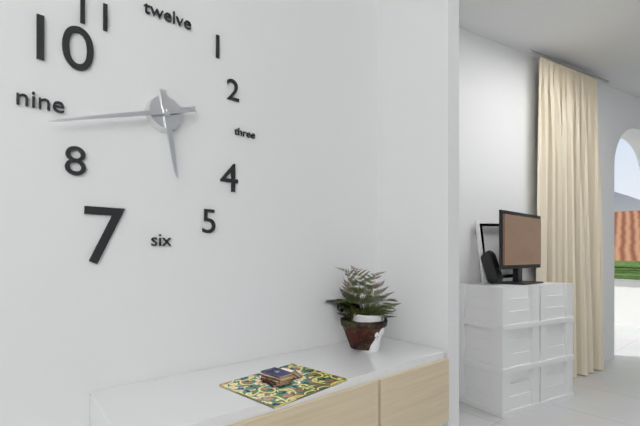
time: **5:42**
